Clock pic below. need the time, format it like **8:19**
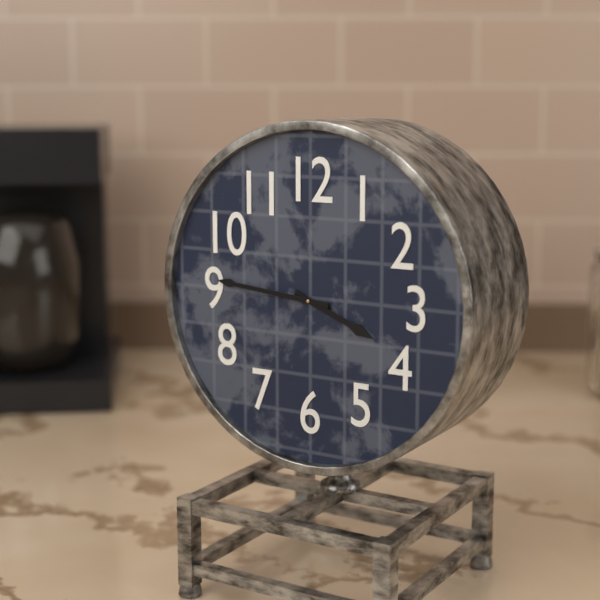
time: **3:46**
